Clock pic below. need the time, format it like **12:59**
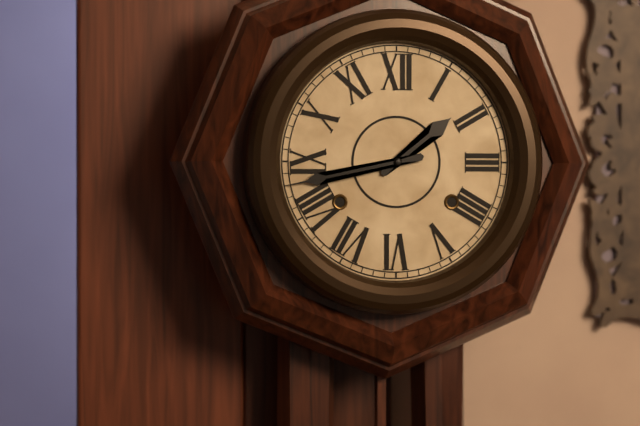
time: **1:43**
